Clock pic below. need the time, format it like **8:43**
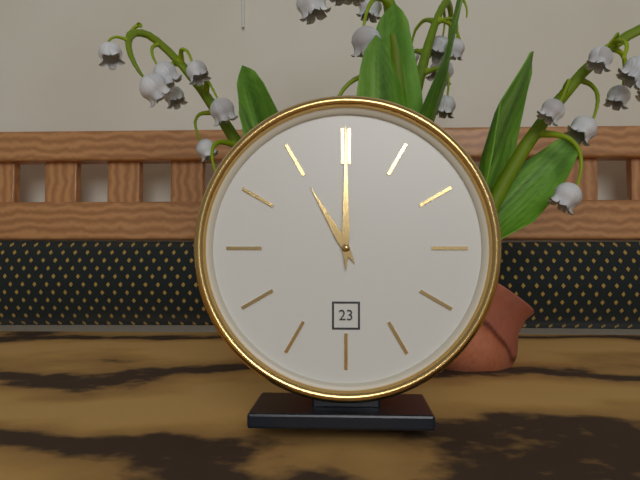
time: **11:00**
